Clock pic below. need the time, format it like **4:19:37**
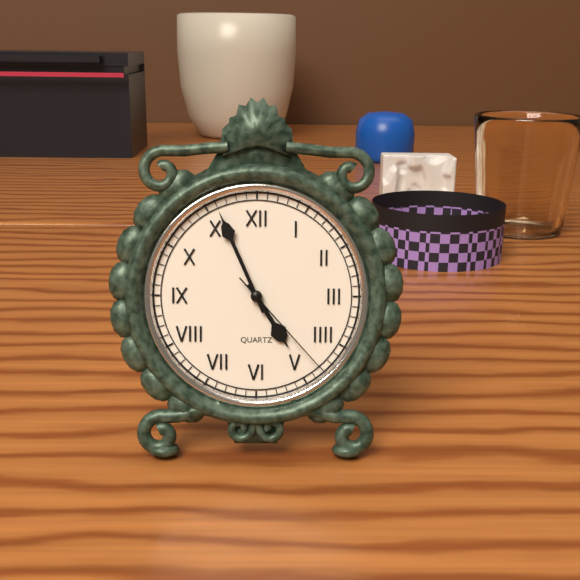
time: **4:56:23**
